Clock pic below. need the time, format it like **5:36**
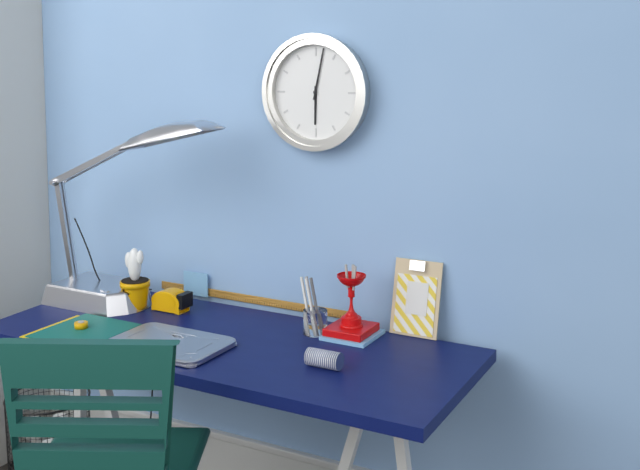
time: **6:02**
